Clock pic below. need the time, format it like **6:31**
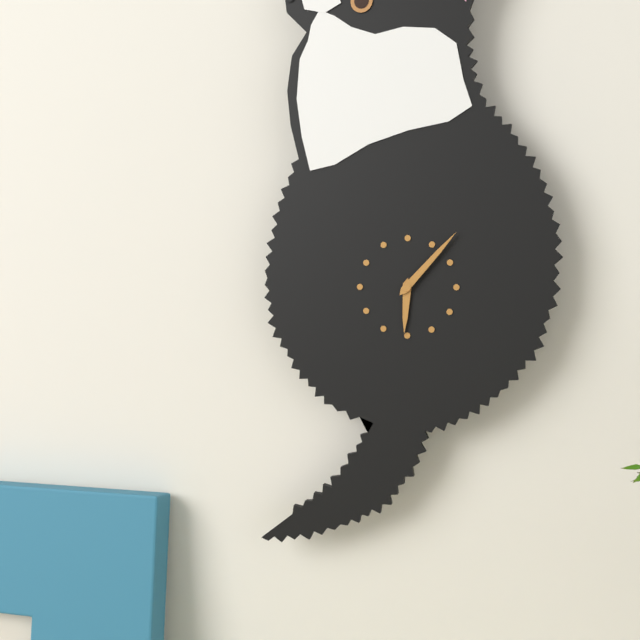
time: **6:07**
